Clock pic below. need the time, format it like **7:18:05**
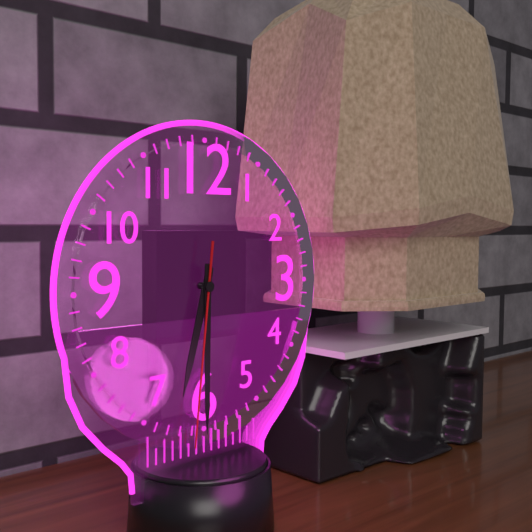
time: **6:30:31**
